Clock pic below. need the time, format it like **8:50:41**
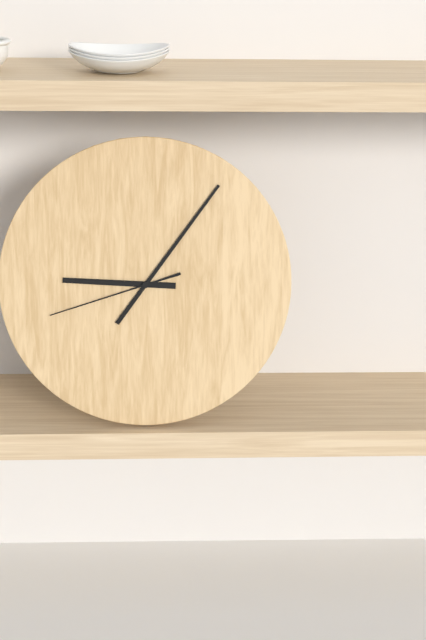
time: **9:06:42**
